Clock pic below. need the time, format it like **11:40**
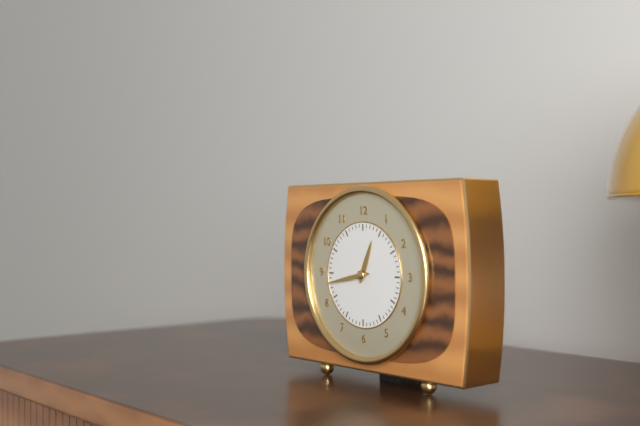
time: **12:43**
